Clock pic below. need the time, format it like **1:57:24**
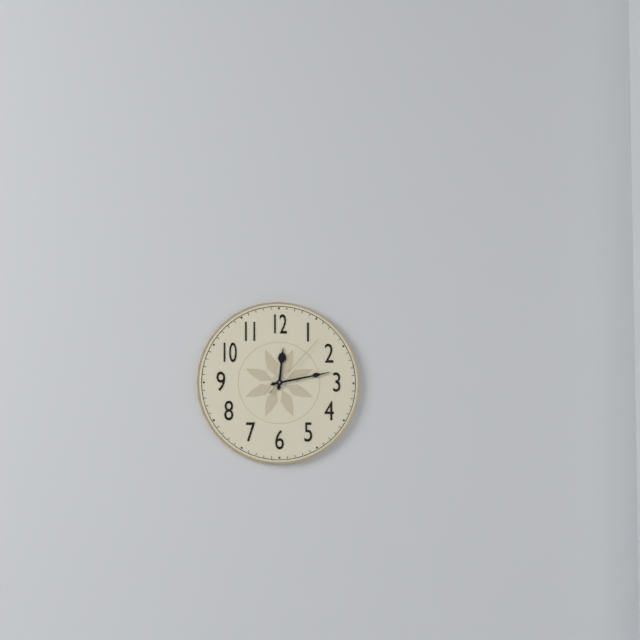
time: **12:13:07**
